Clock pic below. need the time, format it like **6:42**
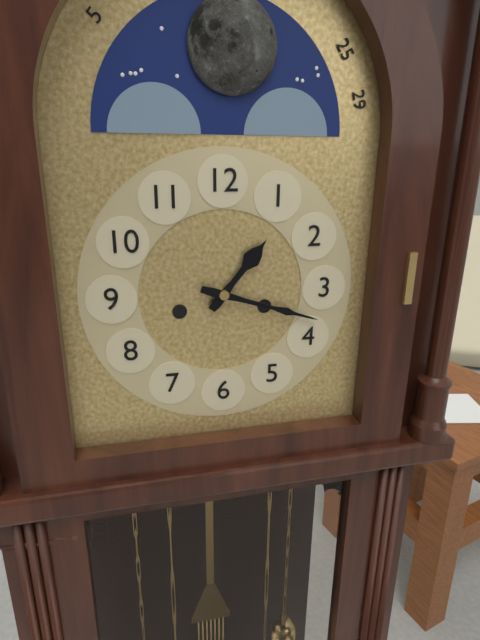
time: **1:18**
